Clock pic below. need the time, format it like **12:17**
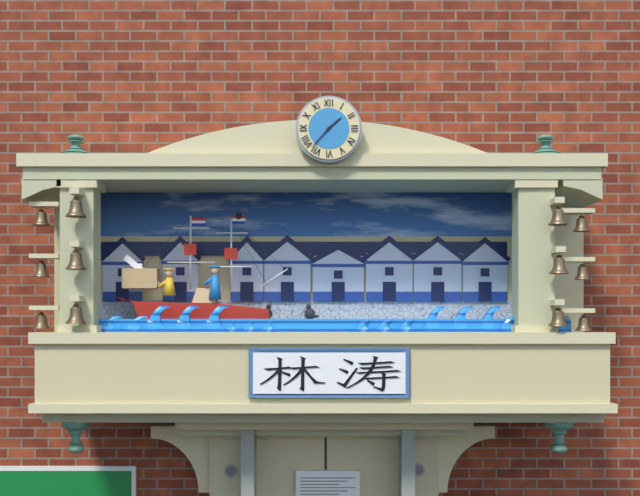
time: **1:37**
